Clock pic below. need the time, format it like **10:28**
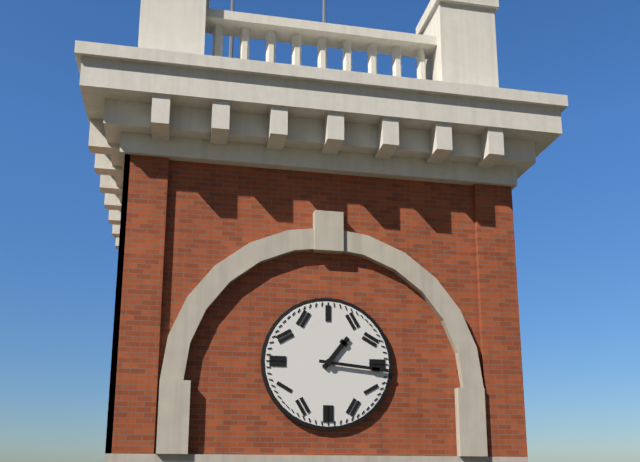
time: **1:16**
